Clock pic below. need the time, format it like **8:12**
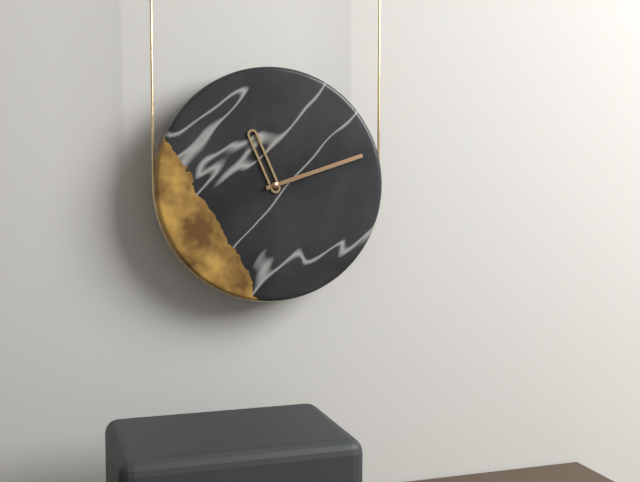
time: **11:12**
